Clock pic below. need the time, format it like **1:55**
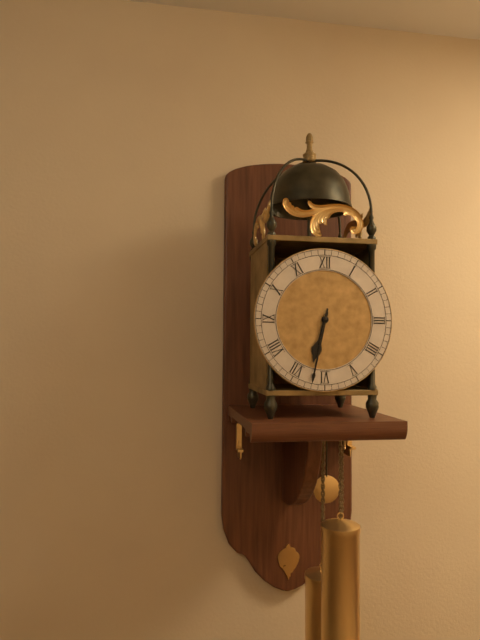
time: **6:32**
